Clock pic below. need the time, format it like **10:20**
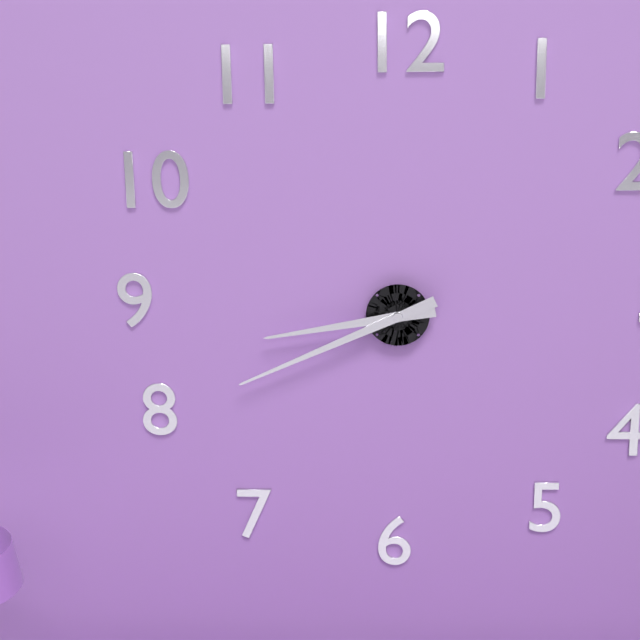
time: **8:41**
